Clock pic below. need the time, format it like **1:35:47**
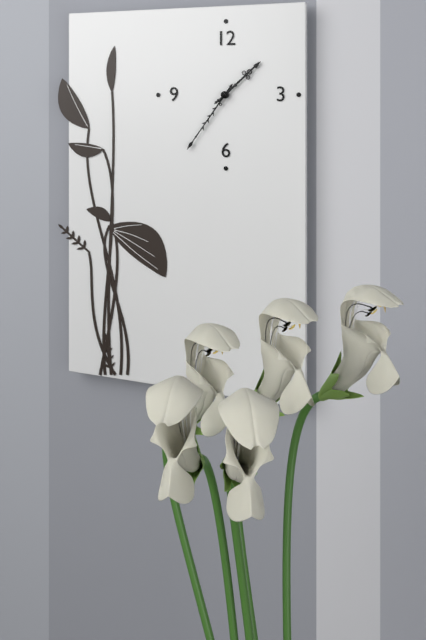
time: **1:36:08**
